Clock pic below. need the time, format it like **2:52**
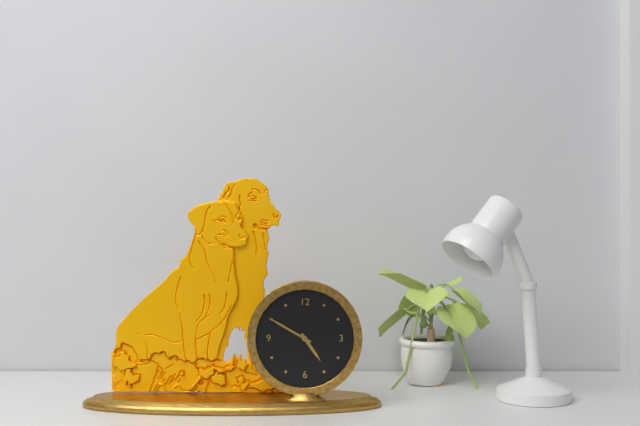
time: **4:50**
